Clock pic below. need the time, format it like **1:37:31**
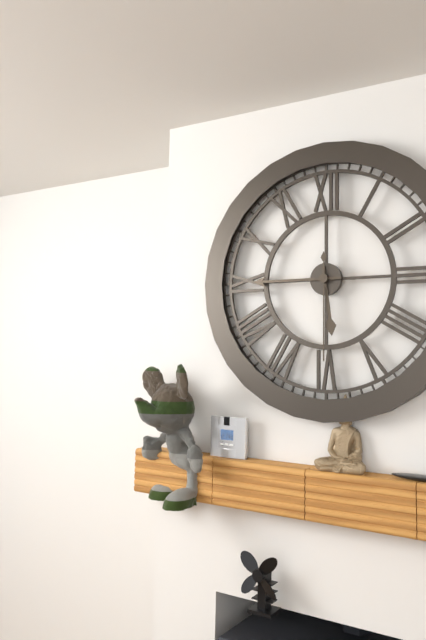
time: **5:45:30**
